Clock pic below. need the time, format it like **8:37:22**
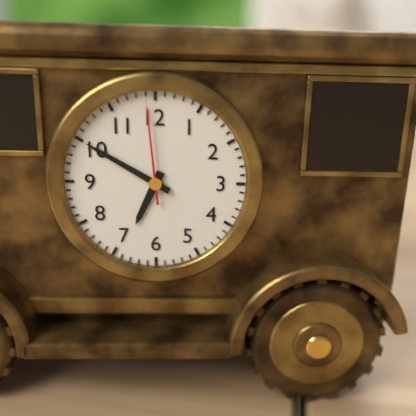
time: **6:50:59**
